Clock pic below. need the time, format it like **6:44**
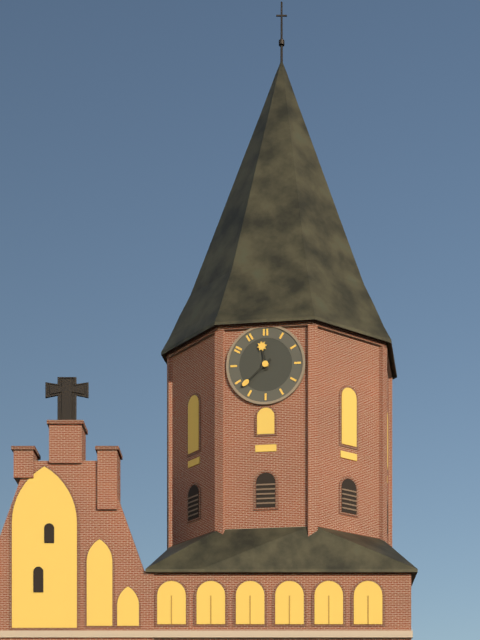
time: **11:38**
